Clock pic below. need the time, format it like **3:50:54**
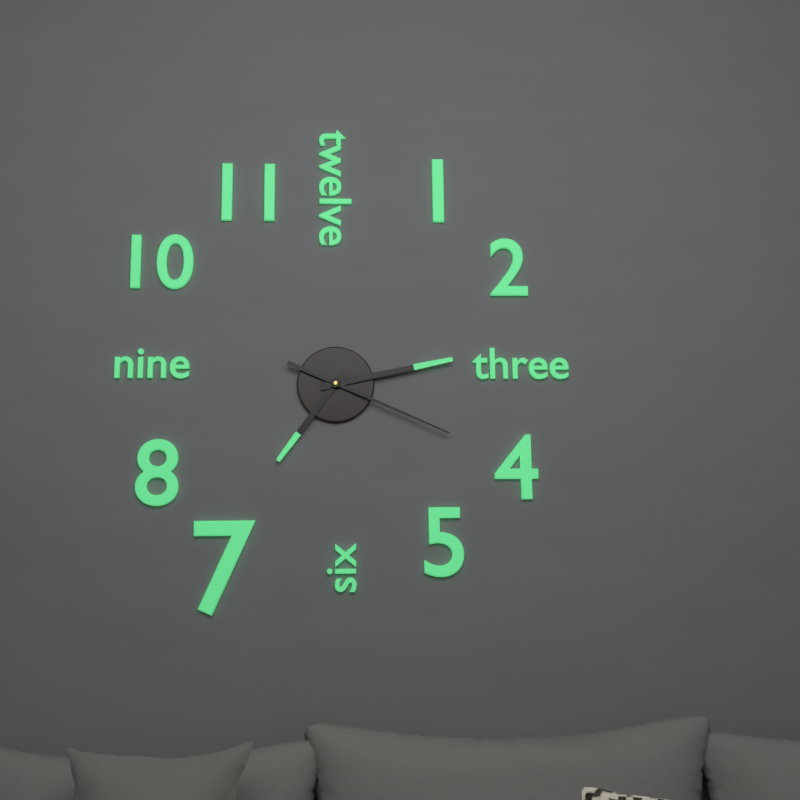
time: **7:13:19**
